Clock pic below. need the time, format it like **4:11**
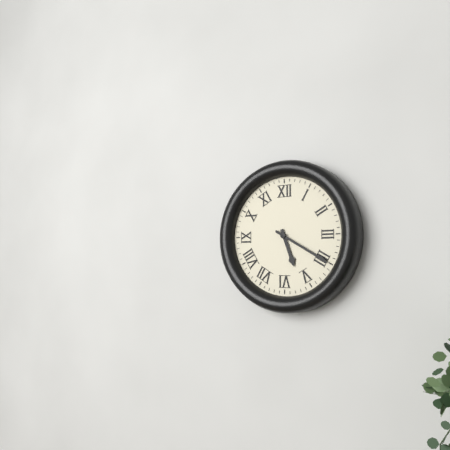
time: **5:20**
